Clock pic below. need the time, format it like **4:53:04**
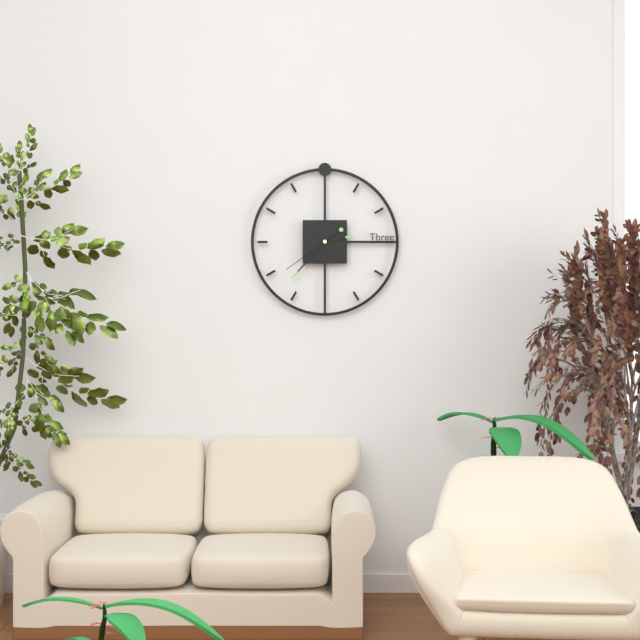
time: **2:37:39**
